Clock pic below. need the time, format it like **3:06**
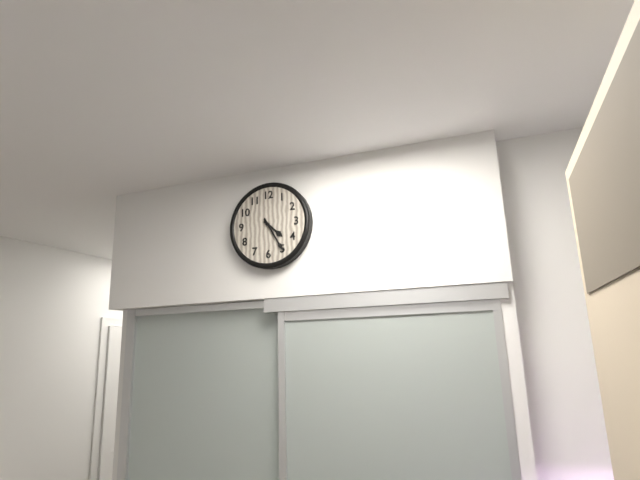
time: **4:25**
